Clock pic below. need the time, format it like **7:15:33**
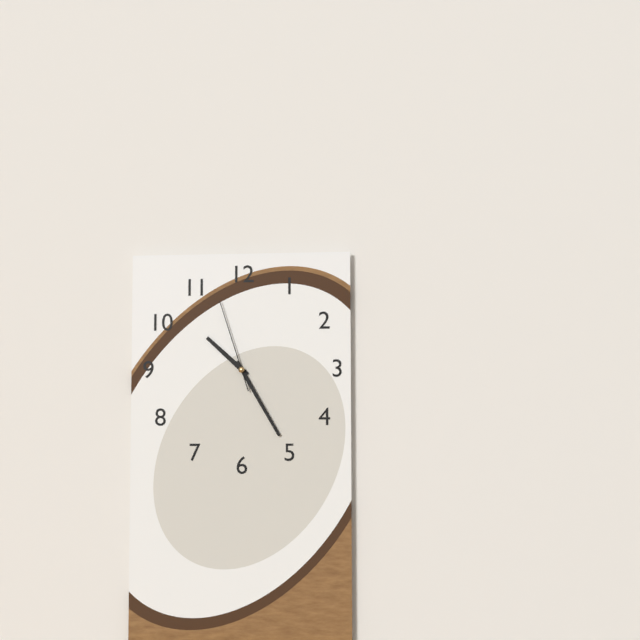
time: **10:25:57**
